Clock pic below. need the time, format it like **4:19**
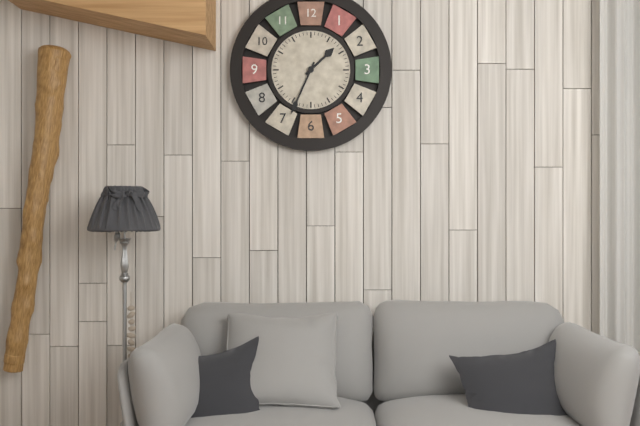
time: **1:34**
